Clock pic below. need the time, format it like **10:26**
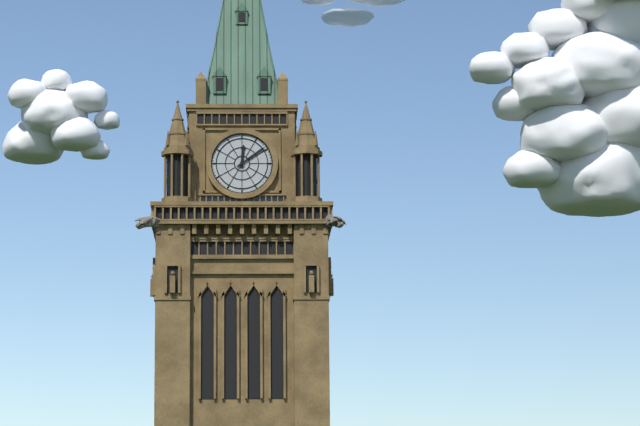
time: **12:09**
